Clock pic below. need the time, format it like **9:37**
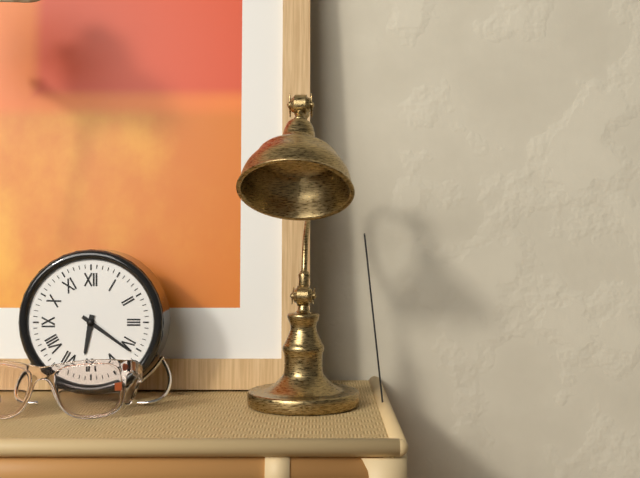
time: **6:21**
